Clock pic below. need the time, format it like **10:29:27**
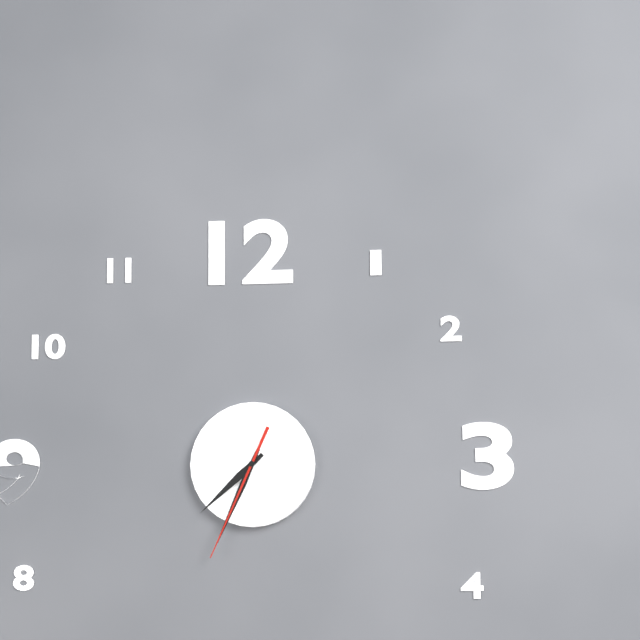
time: **7:34:34**
